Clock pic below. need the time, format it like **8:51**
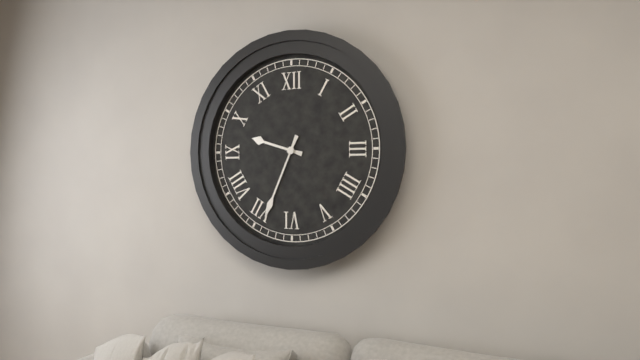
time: **9:34**
